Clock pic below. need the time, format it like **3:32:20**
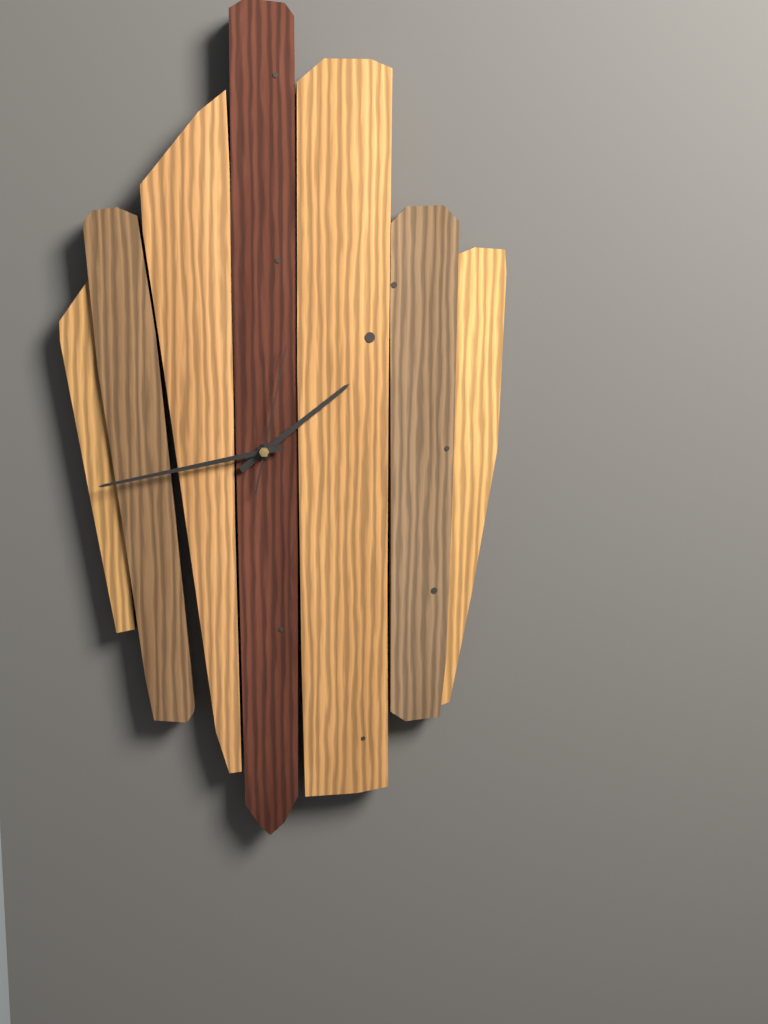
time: **1:43:02**
